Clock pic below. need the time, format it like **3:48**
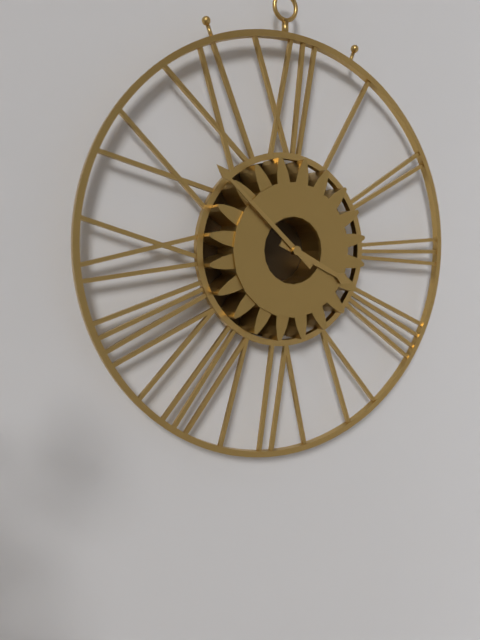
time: **3:52**
